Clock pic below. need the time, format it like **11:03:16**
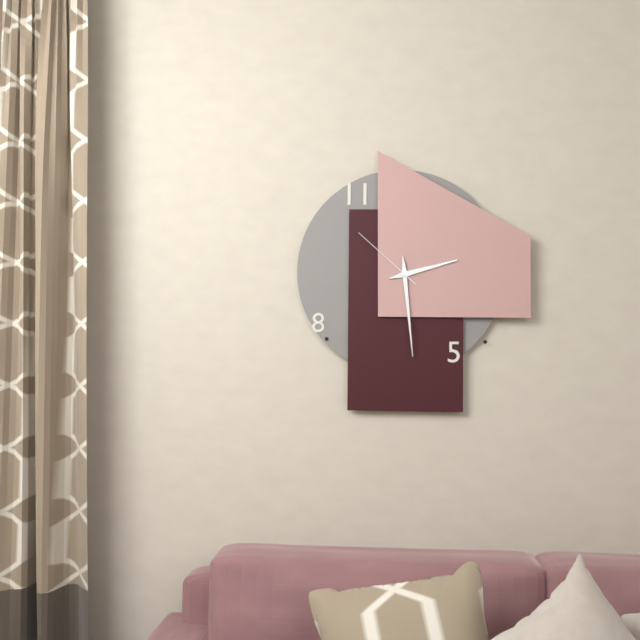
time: **2:29:52**
